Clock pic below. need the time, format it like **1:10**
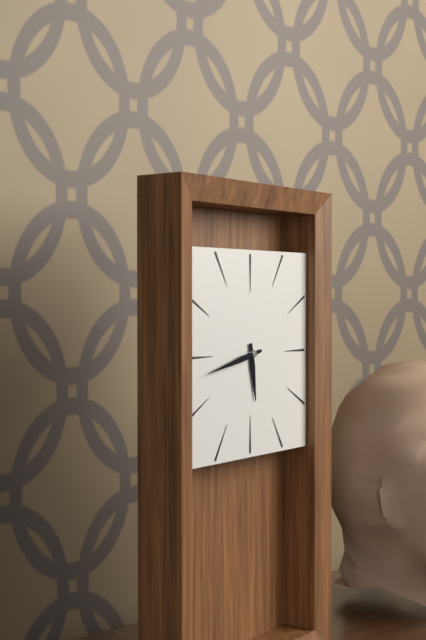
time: **5:43**
